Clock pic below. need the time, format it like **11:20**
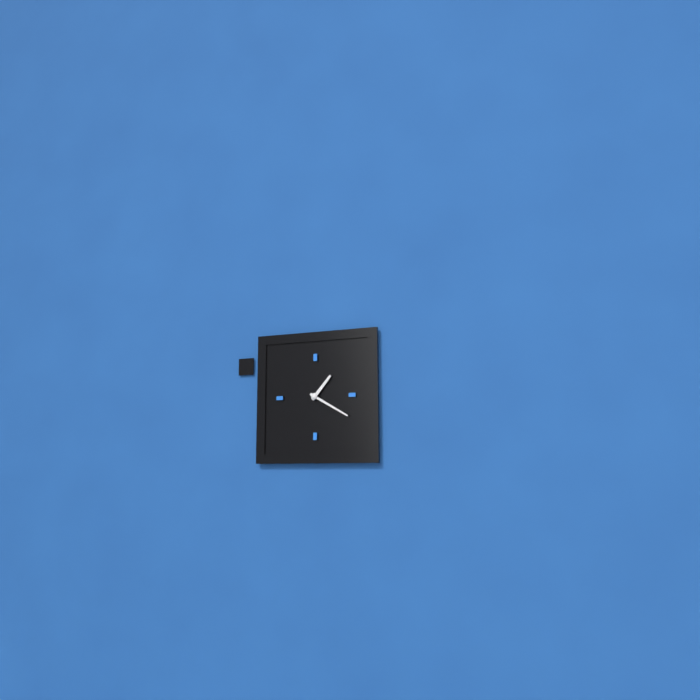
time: **1:20**
